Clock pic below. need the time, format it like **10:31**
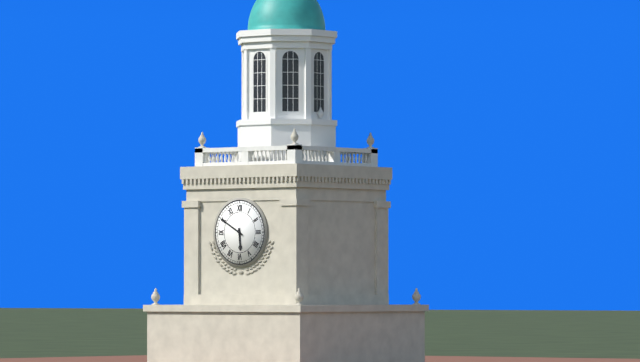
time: **5:50**
